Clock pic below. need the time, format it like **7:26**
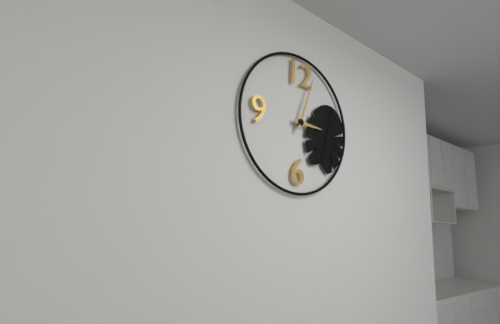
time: **3:03**
